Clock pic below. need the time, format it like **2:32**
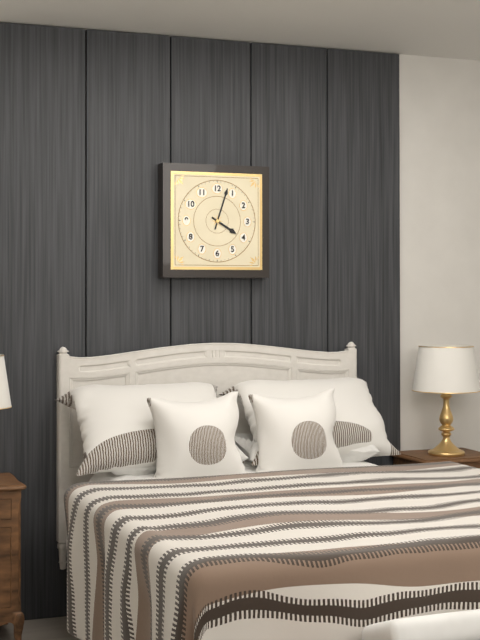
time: **4:03**
